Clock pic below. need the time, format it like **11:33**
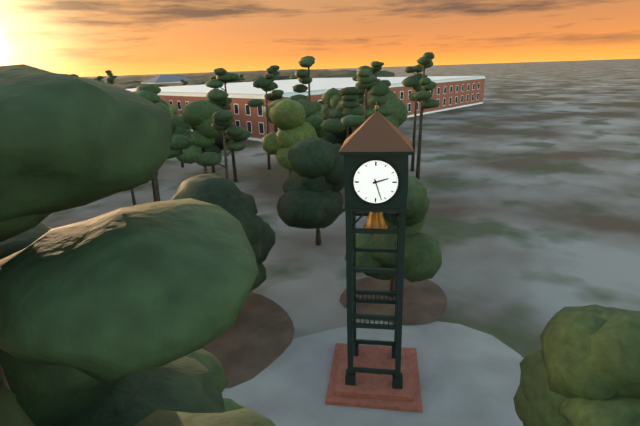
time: **2:27**
